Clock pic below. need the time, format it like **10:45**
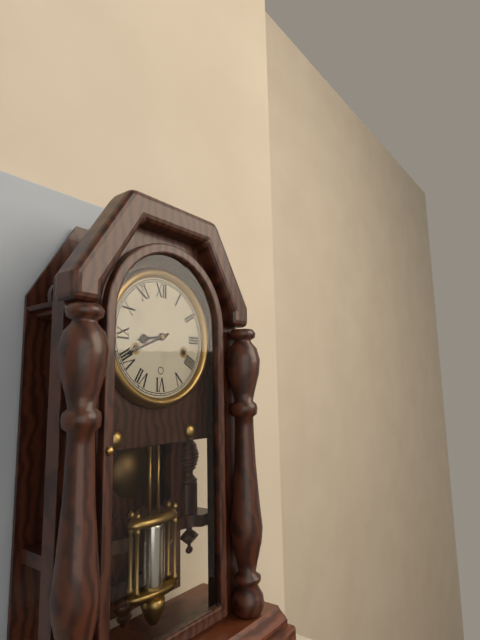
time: **8:41**
